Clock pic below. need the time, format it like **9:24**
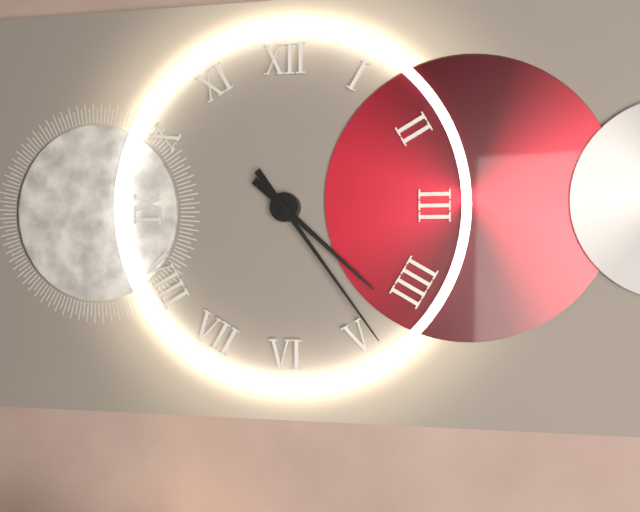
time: **4:24**
